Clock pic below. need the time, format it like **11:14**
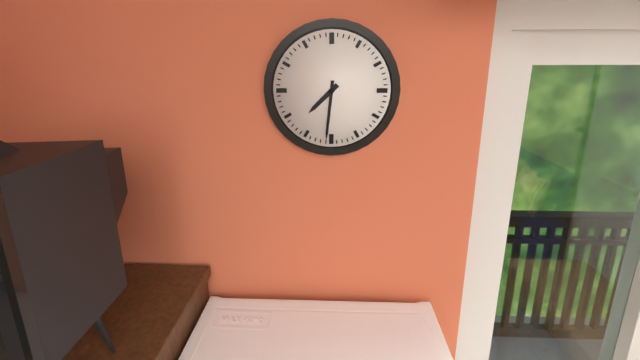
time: **7:31**
